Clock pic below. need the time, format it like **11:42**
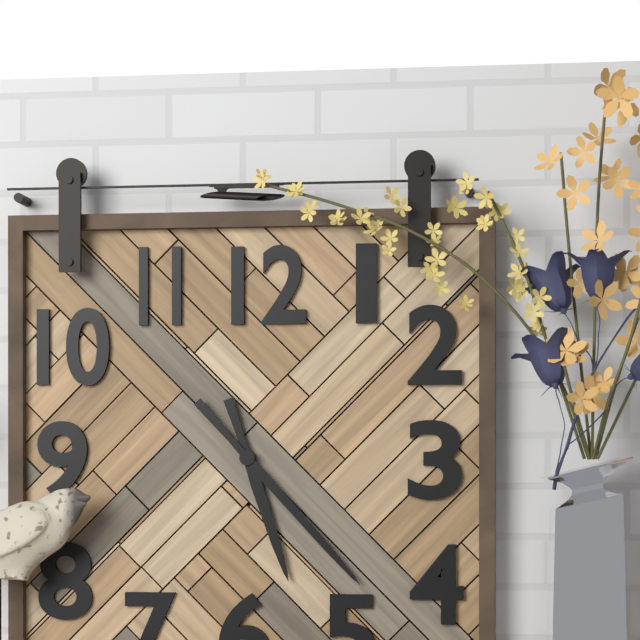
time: **5:23**
